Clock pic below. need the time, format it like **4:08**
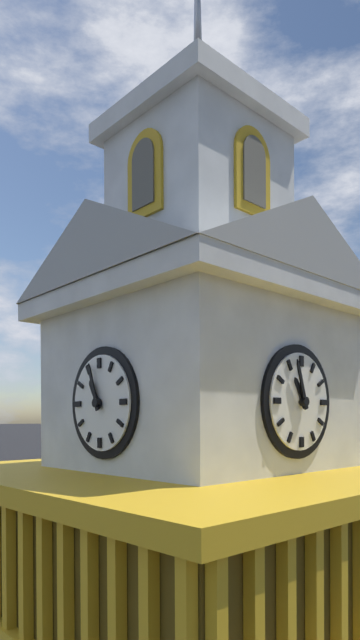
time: **10:57**
